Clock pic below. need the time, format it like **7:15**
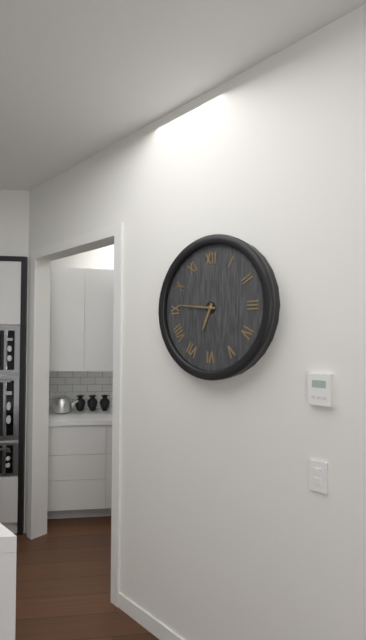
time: **6:46**
